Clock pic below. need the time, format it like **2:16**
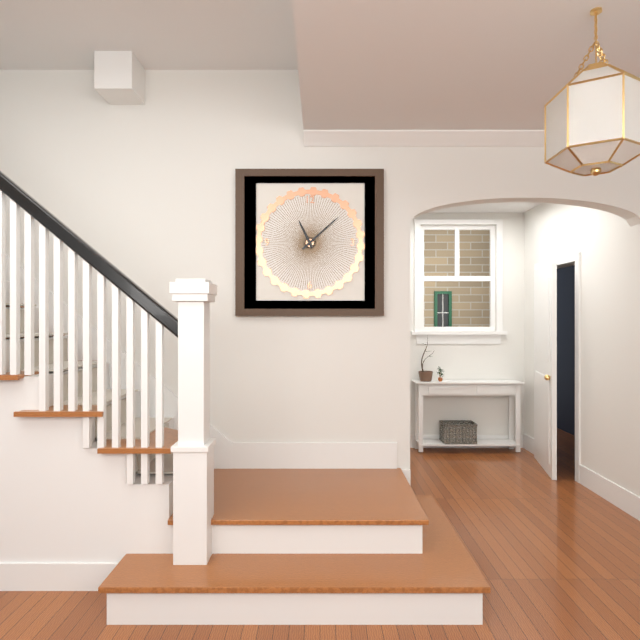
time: **11:08**
